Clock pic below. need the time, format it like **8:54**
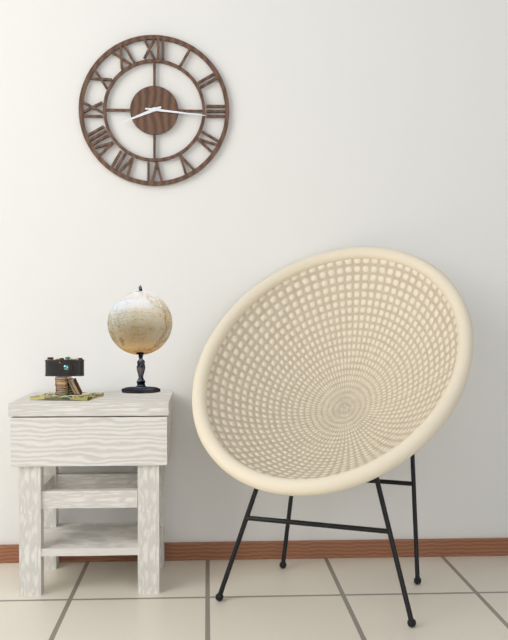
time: **8:16**
